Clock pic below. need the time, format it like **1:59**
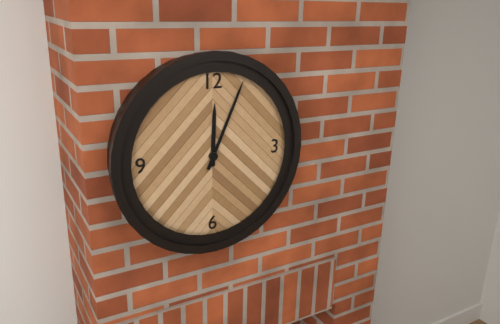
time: **12:04**
